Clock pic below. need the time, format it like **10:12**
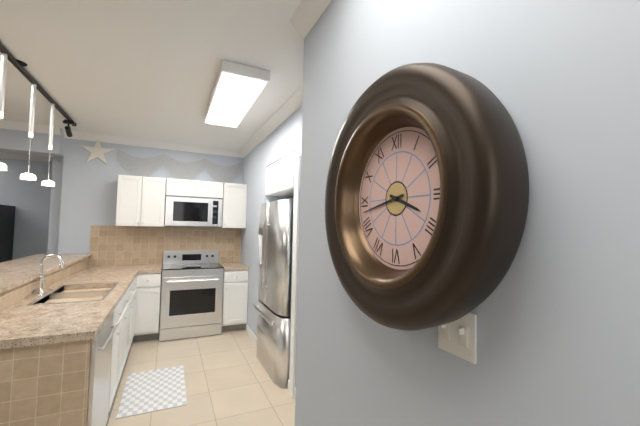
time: **3:43**
